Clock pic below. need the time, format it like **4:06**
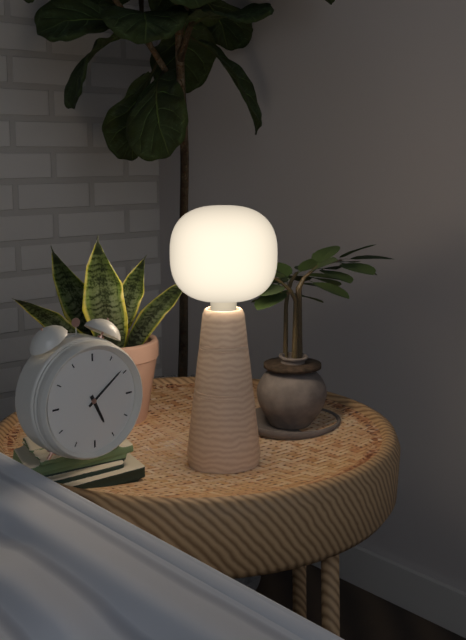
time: **5:09**
